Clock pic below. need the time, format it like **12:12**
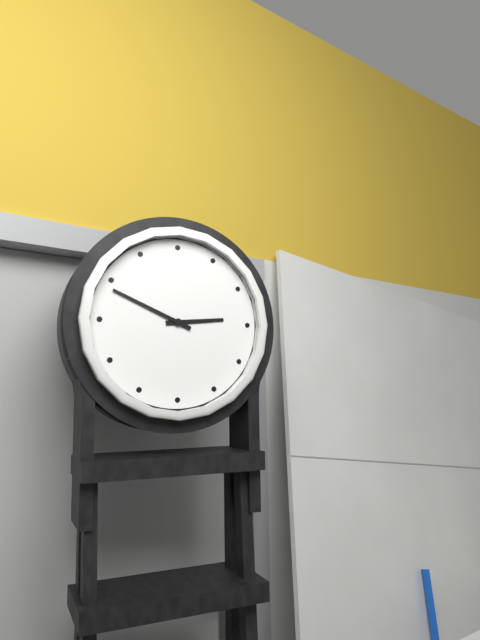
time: **2:49**
